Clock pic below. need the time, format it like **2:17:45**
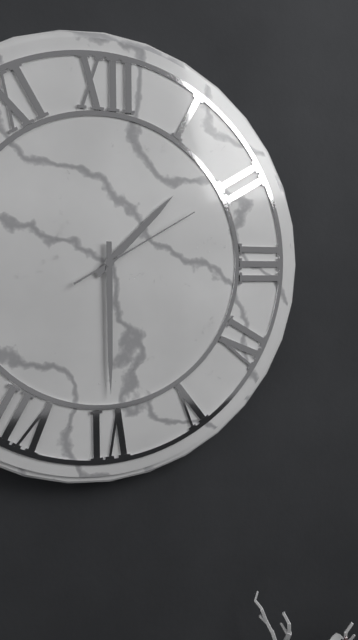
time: **1:30:10**
